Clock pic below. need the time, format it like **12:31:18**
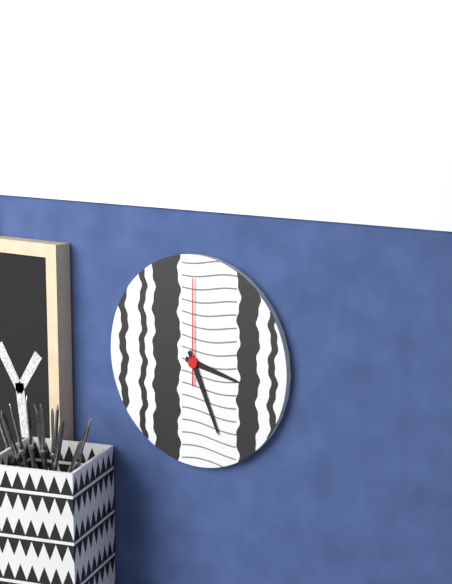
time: **3:26:00**
